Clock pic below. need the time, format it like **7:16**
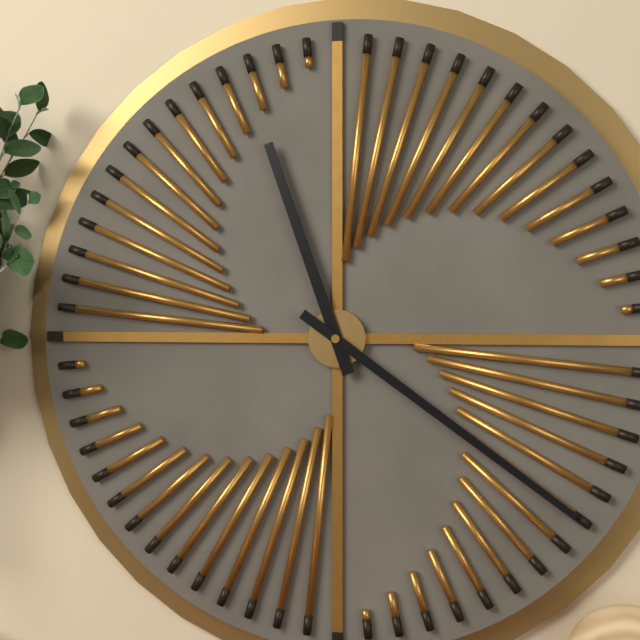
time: **11:21**
